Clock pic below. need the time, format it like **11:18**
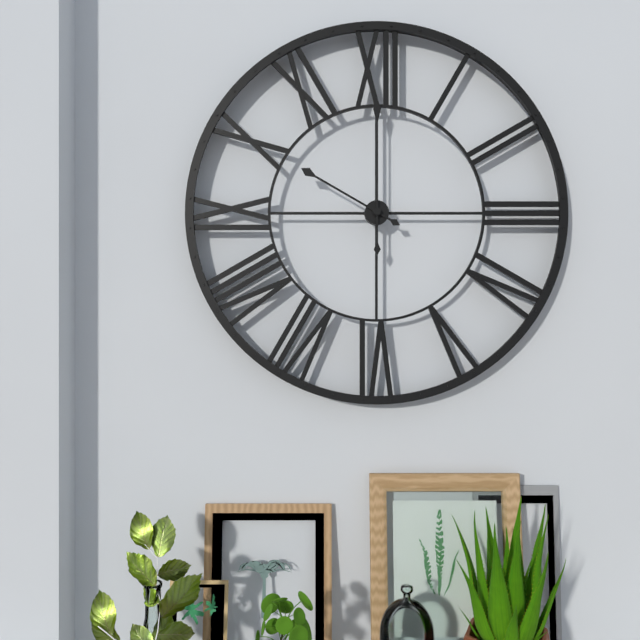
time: **10:00**
